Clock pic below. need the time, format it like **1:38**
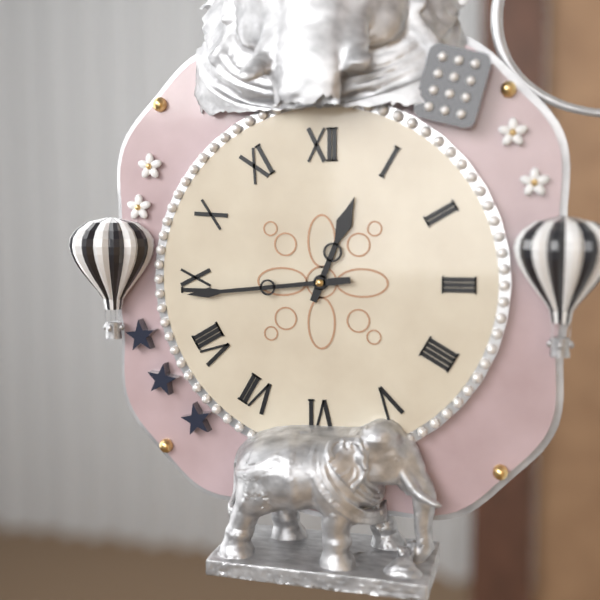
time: **12:44**
